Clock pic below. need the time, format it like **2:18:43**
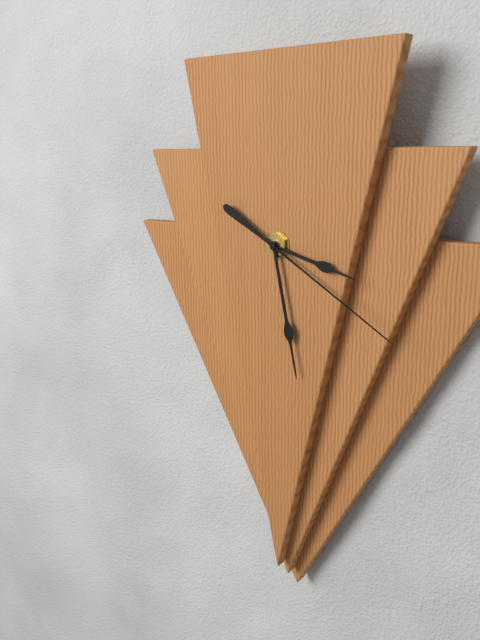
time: **3:28:20**
